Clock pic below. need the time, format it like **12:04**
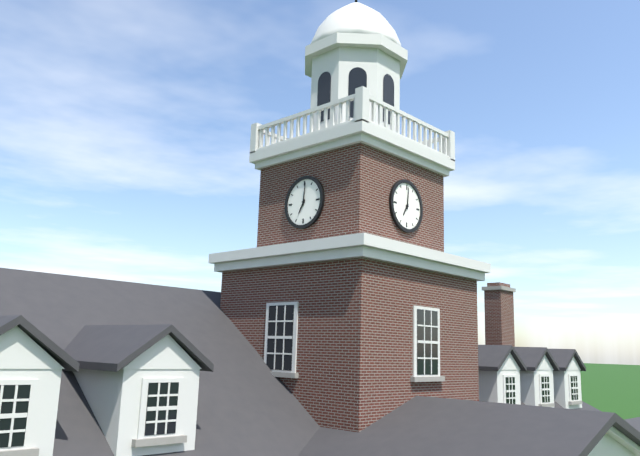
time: **7:01**
